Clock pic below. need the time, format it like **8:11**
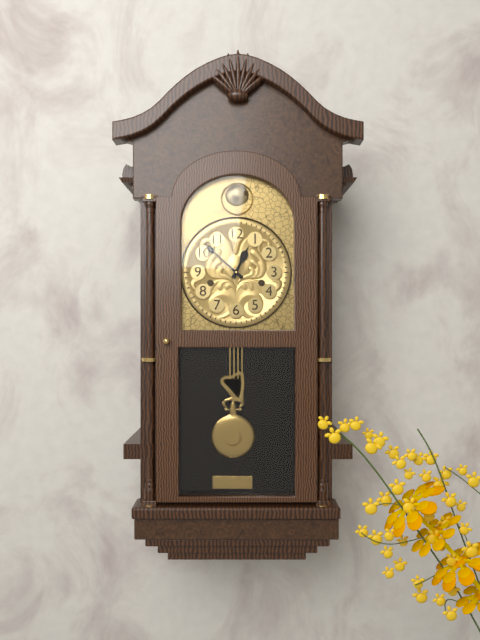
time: **12:52**
